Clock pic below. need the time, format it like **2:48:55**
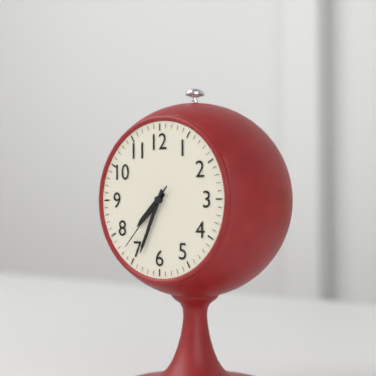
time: **7:34:37**
